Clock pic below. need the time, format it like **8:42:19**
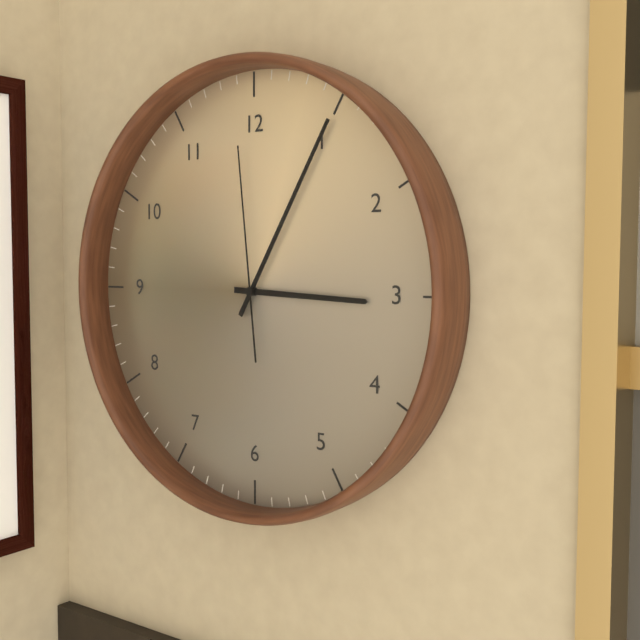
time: **3:05:59**
